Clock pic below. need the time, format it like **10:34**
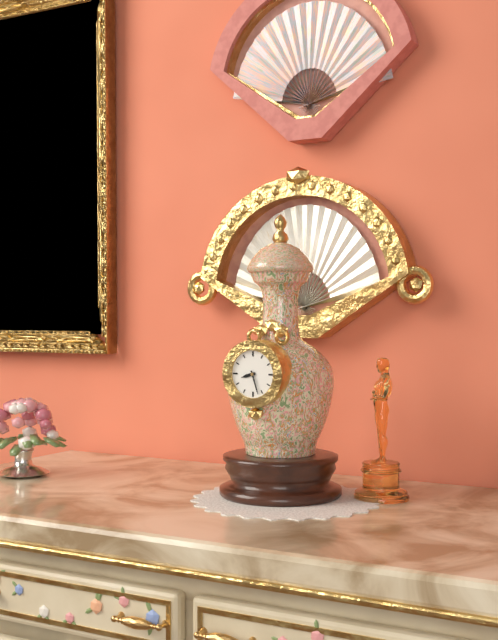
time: **8:27**
